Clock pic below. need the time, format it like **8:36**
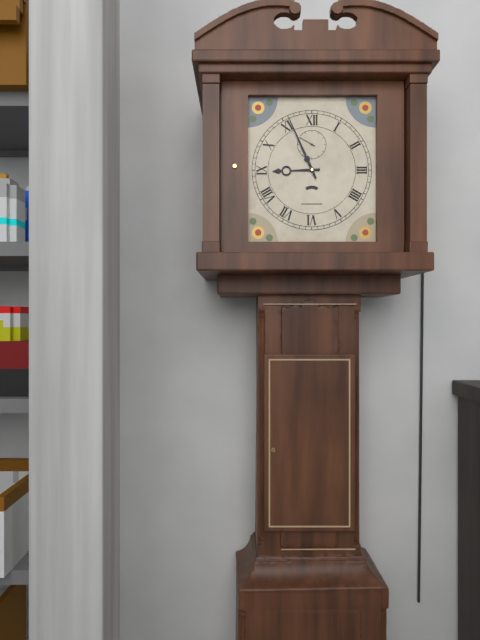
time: **8:56**
